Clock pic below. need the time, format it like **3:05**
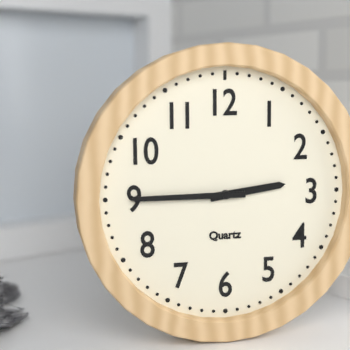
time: **2:45**
